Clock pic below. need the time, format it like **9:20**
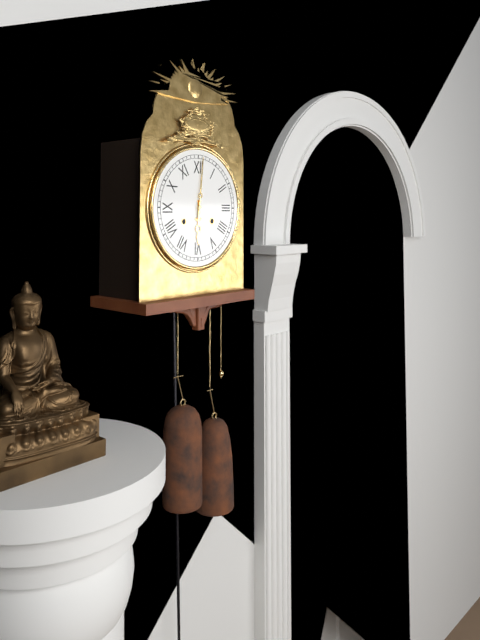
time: **6:01**
